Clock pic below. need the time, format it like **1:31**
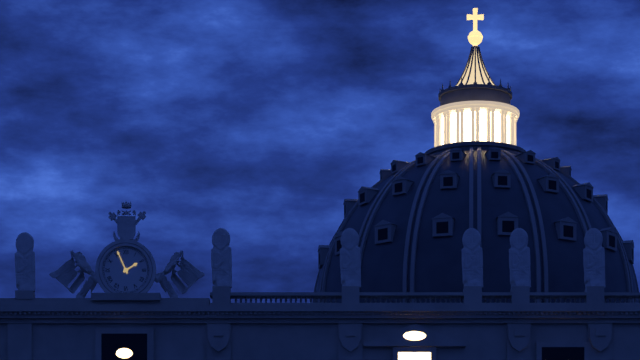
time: **1:56**
